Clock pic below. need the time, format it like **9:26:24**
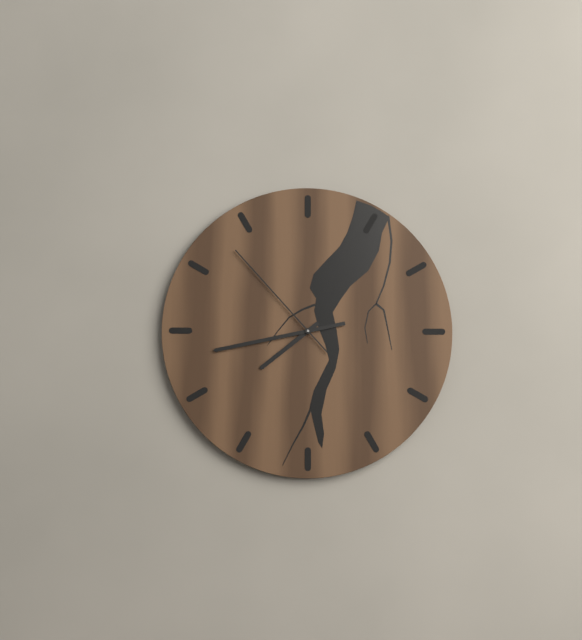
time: **7:43:53**
